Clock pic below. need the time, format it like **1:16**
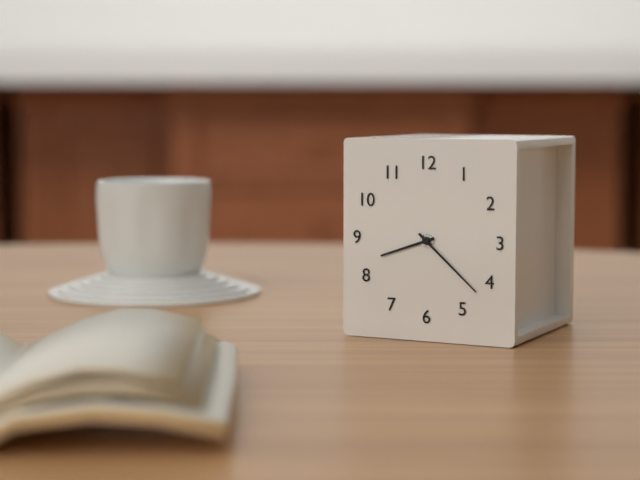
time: **8:22**
